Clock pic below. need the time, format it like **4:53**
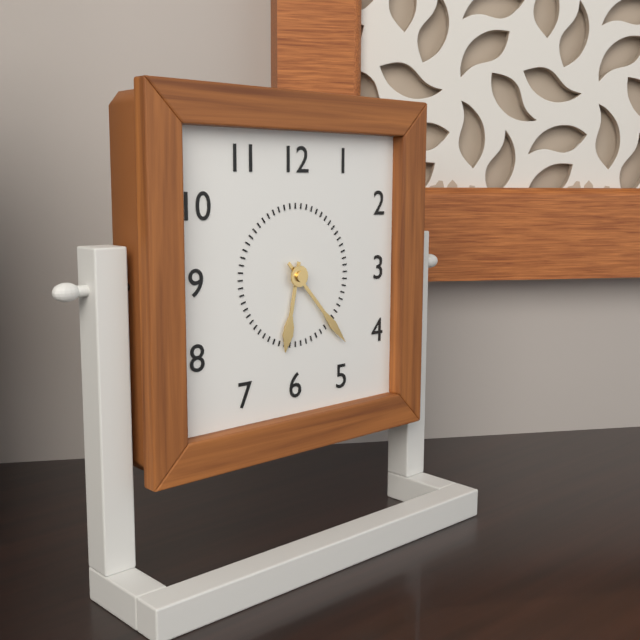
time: **6:23**
